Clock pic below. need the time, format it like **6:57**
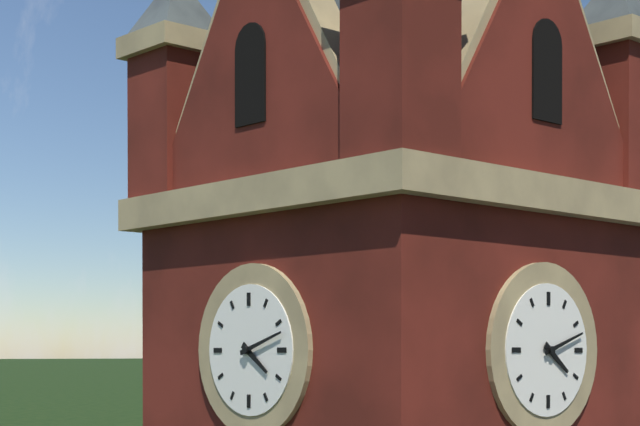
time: **4:12**
